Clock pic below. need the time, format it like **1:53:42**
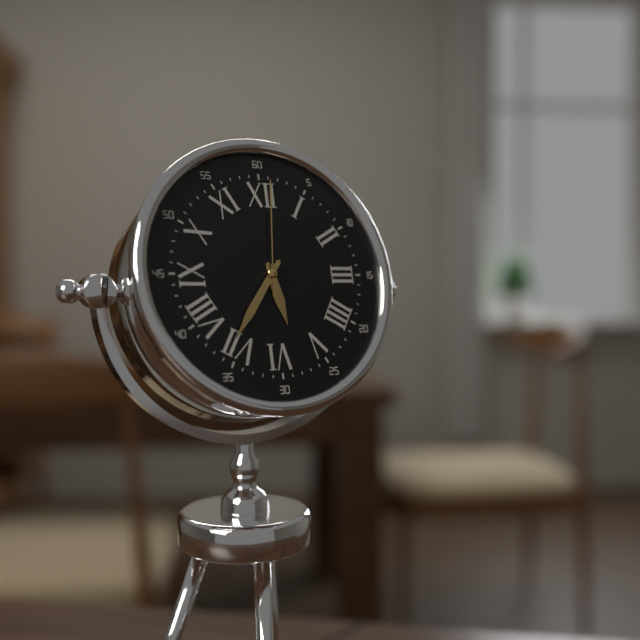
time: **5:36:01**
